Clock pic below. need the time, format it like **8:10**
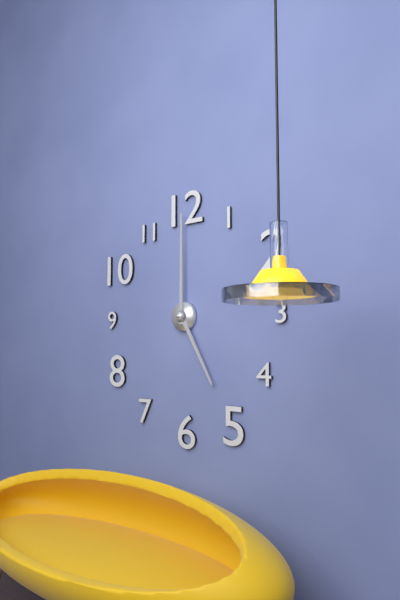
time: **5:00**
